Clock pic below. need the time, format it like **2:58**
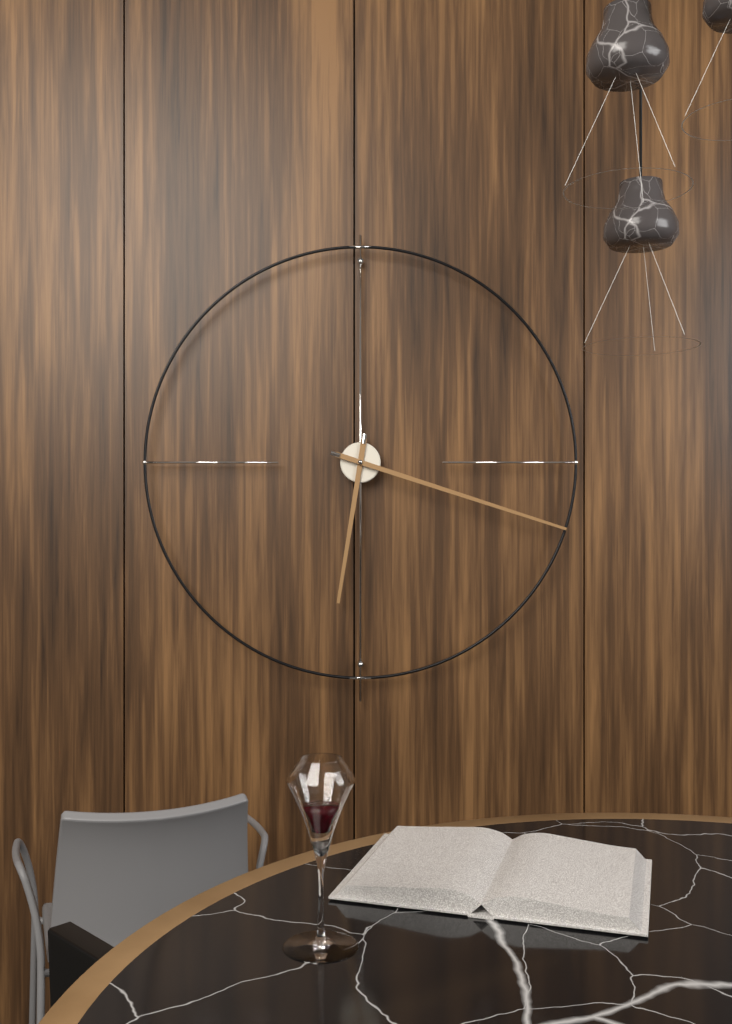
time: **6:18**
